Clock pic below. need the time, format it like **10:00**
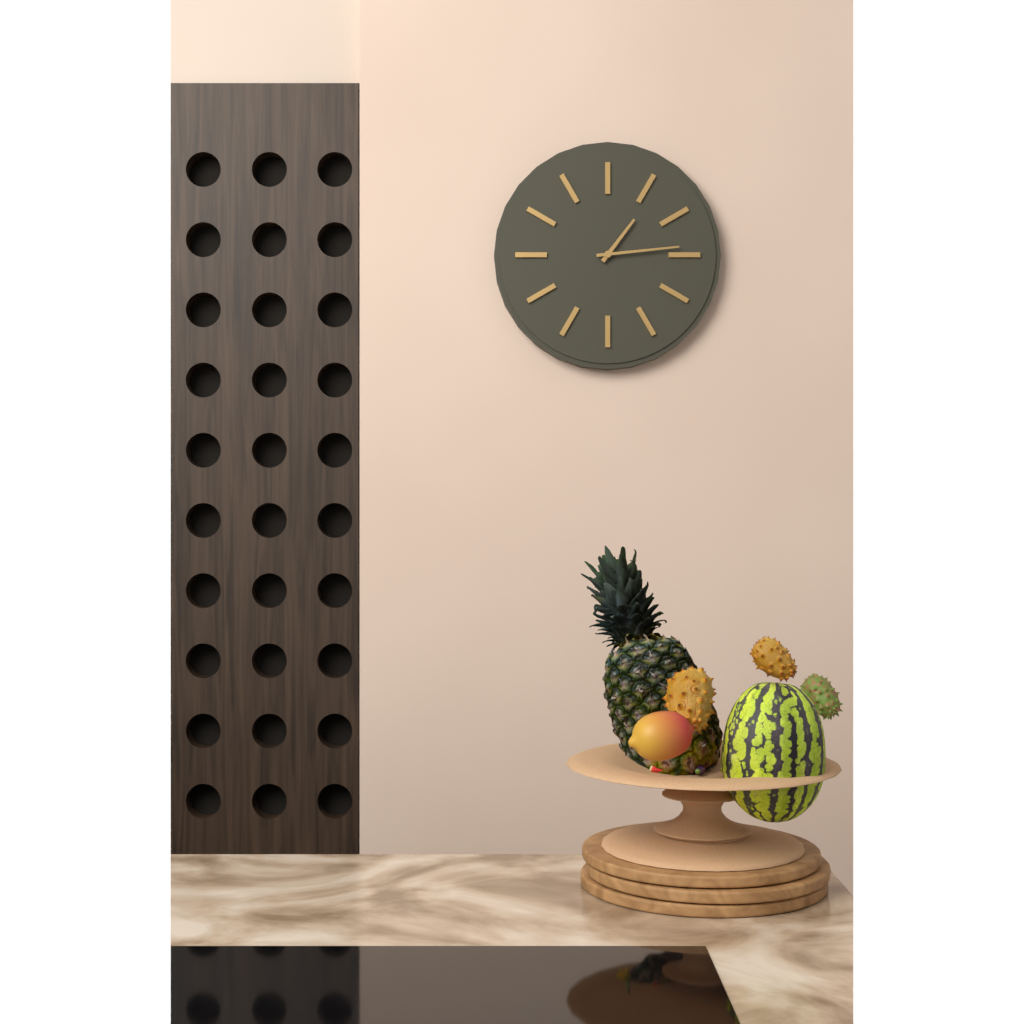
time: **1:14**
